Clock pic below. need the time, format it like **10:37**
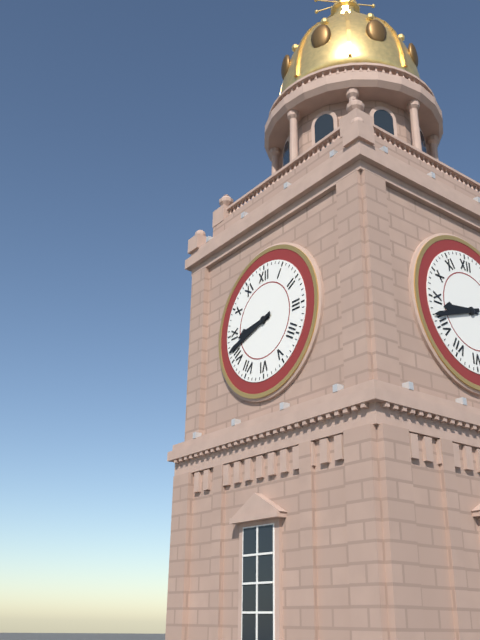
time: **8:42**
